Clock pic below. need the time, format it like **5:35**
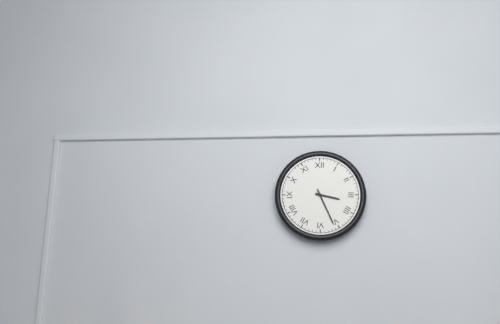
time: **3:26**
